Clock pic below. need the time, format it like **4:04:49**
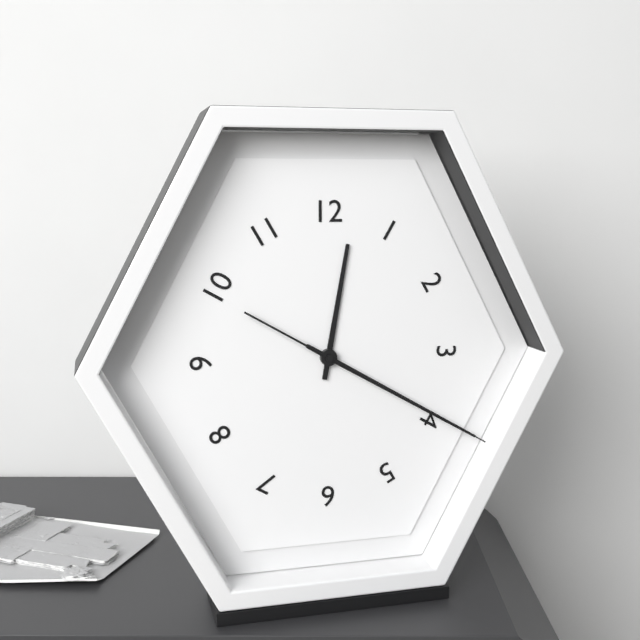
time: **12:20:20**
